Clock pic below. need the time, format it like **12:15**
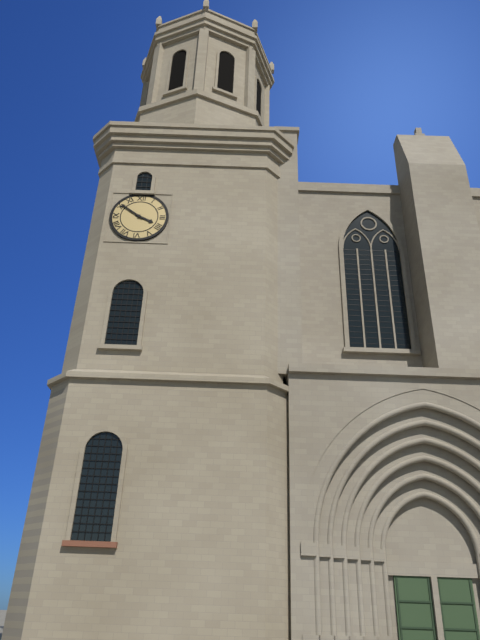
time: **3:51**
